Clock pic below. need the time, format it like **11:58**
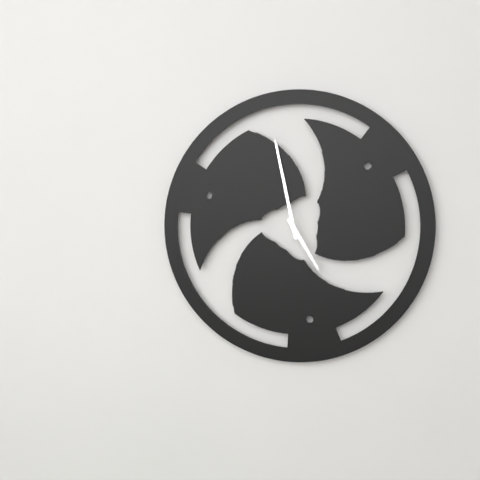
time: **4:58**
